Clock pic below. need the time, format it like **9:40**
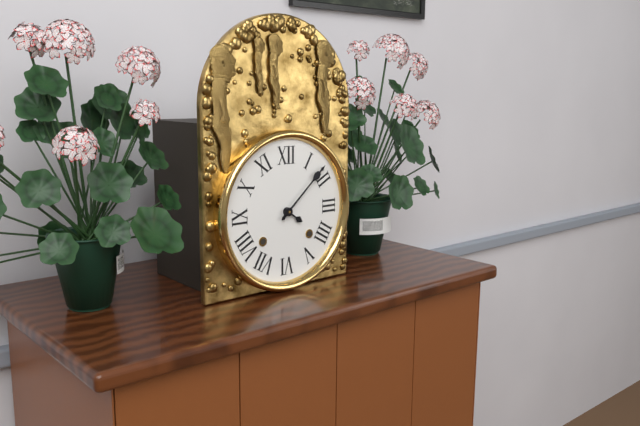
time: **4:08**
